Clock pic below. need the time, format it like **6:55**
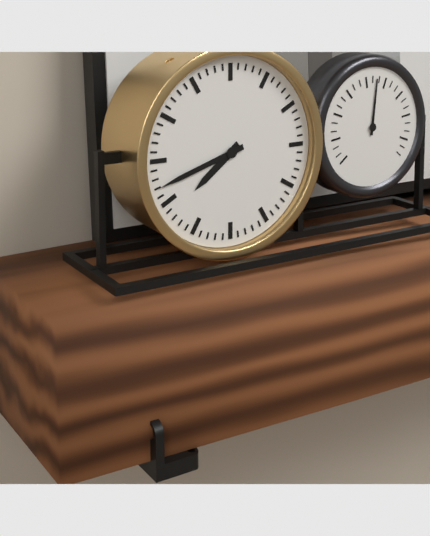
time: **7:42**
